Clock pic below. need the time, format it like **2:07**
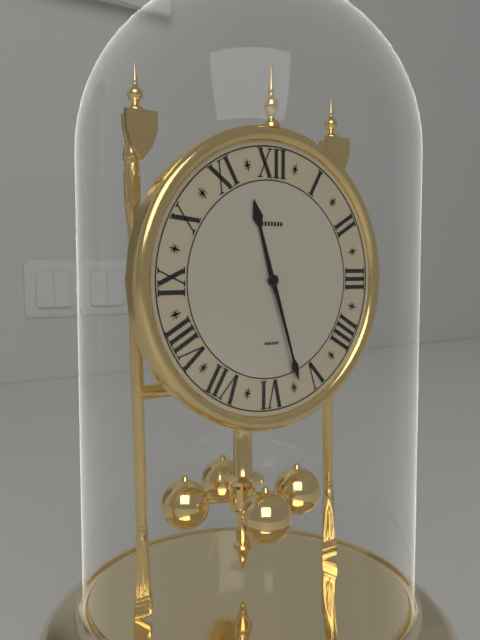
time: **11:27**
